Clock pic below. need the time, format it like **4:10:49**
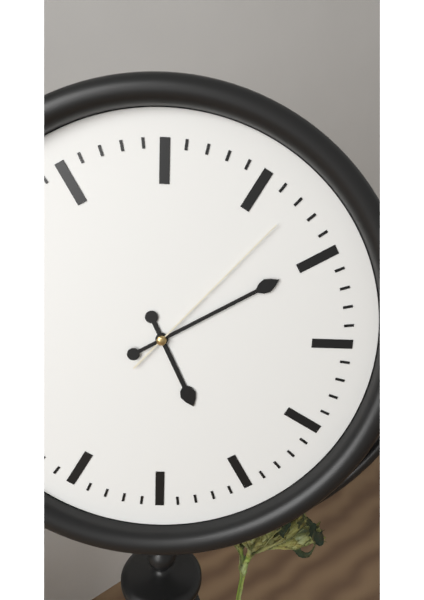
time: **5:10:07**
